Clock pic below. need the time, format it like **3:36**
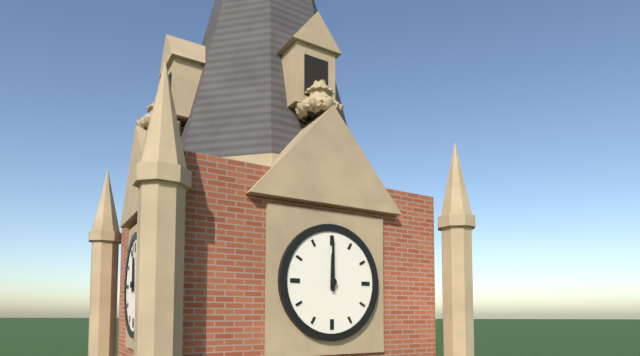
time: **12:00**
